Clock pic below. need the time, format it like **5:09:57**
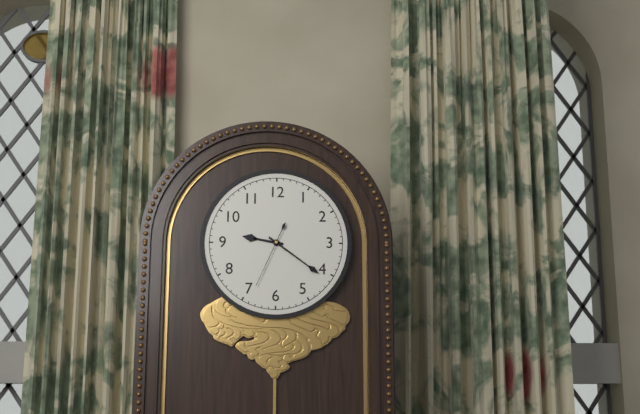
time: **9:21:34**
